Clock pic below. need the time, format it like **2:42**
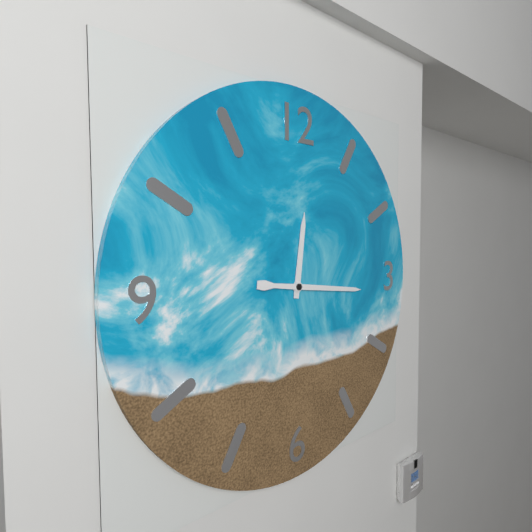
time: **12:16**
